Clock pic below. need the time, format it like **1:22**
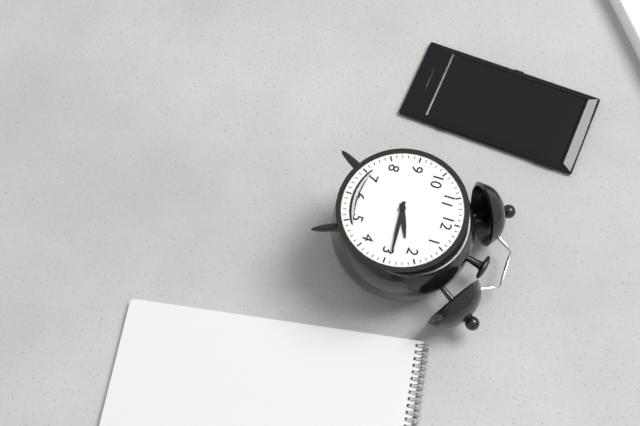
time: **2:14**
